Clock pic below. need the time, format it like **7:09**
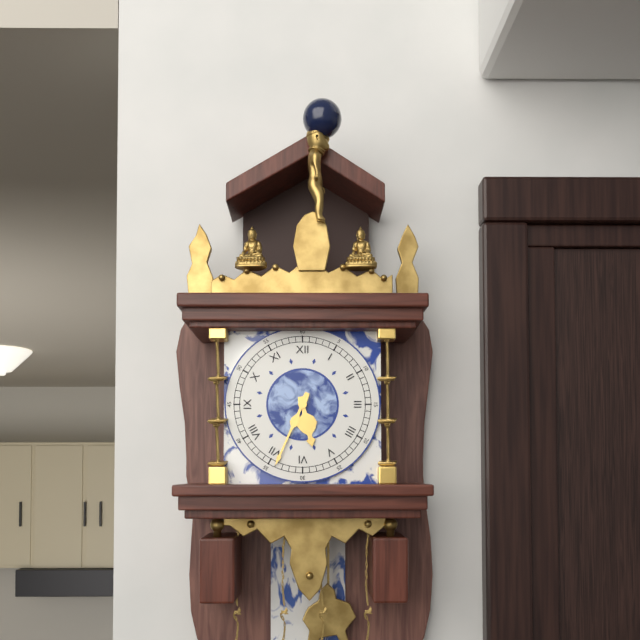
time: **5:34**
